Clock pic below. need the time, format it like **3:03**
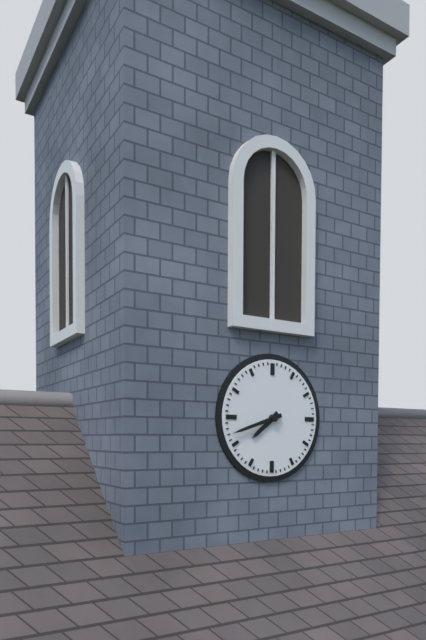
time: **7:42**
